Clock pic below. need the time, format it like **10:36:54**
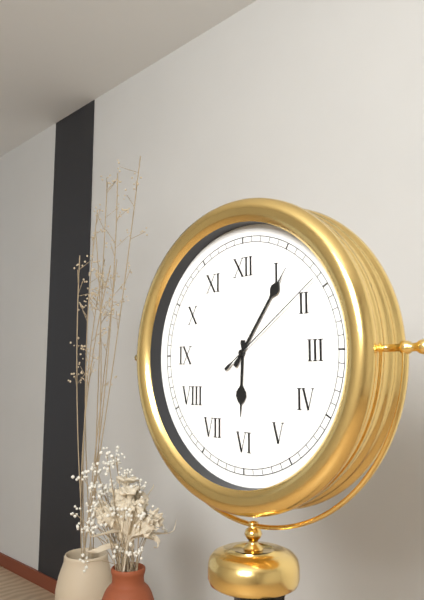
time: **6:06:09**
